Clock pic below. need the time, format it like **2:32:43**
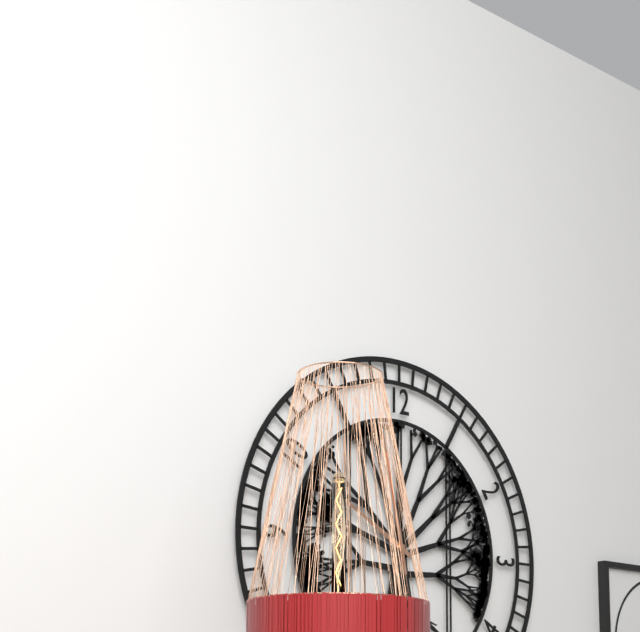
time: **9:58:58**
